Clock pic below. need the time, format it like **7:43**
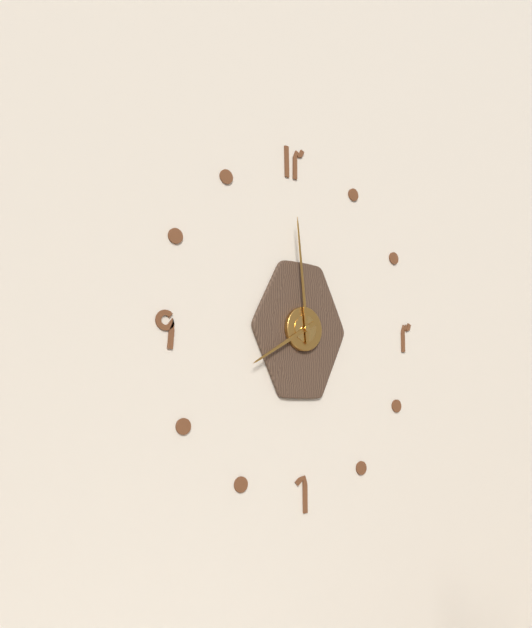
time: **7:59**
